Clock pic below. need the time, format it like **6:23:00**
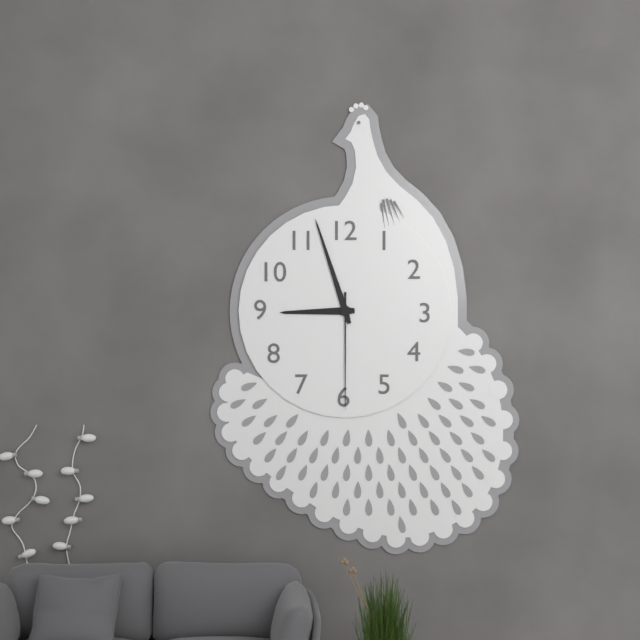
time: **8:57:30**
